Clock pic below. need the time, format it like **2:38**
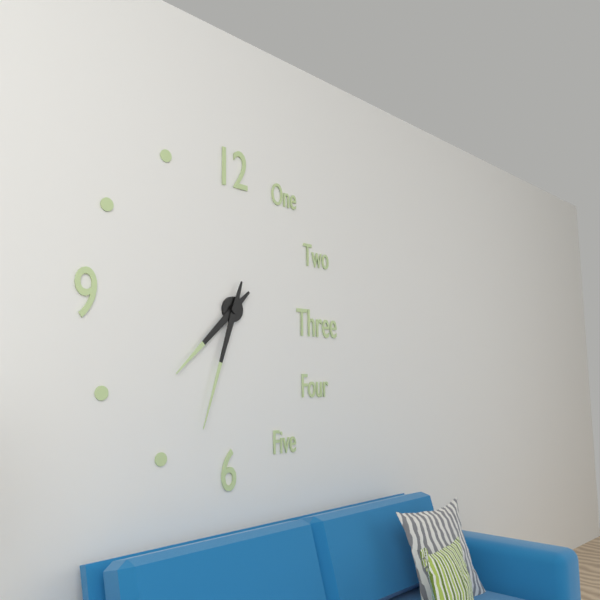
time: **7:33**
